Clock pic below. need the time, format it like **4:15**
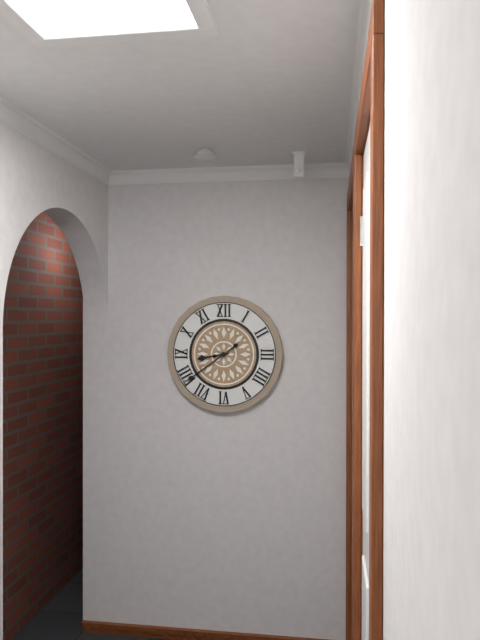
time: **8:39**
